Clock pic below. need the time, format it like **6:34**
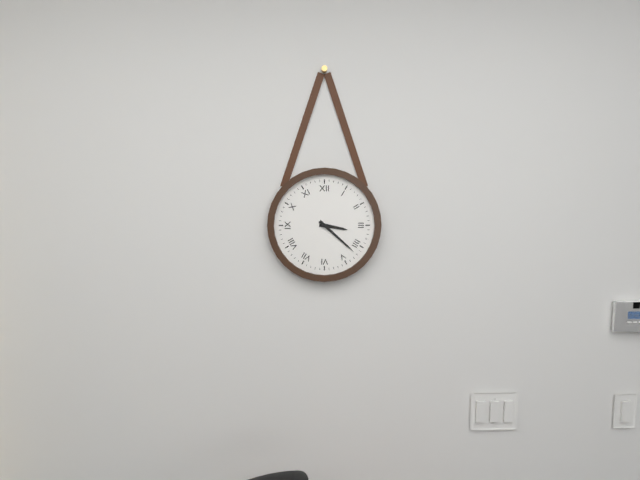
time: **3:22**
